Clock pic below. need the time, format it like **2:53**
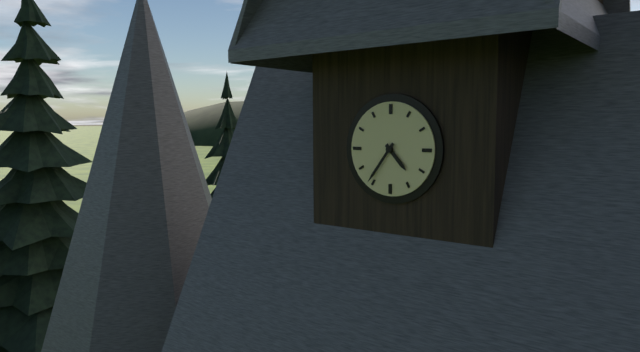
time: **4:36**
